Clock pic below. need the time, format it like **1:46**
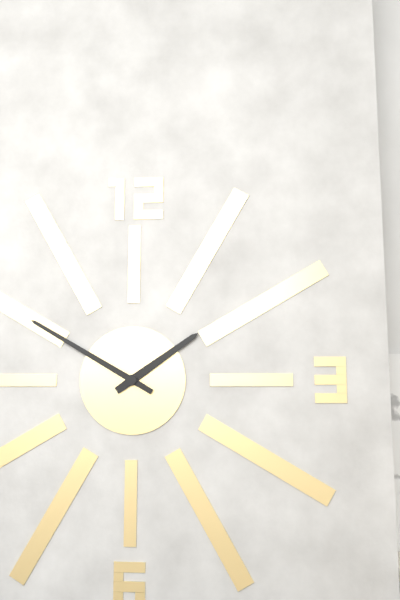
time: **1:50**
